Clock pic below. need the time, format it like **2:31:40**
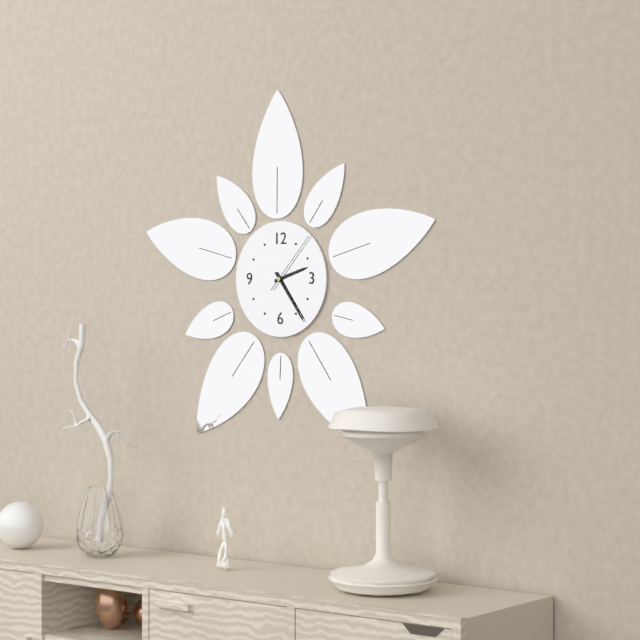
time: **2:24:07**
